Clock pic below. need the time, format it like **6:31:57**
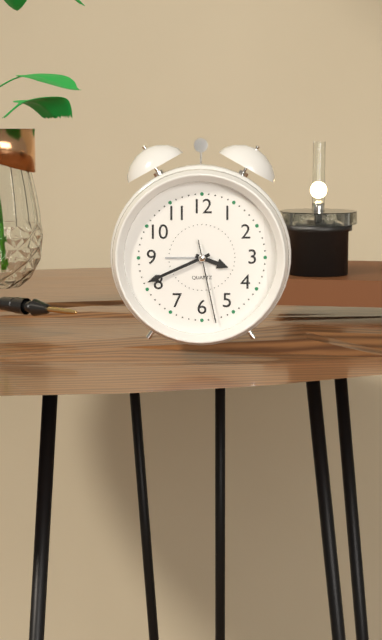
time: **3:41:28**
